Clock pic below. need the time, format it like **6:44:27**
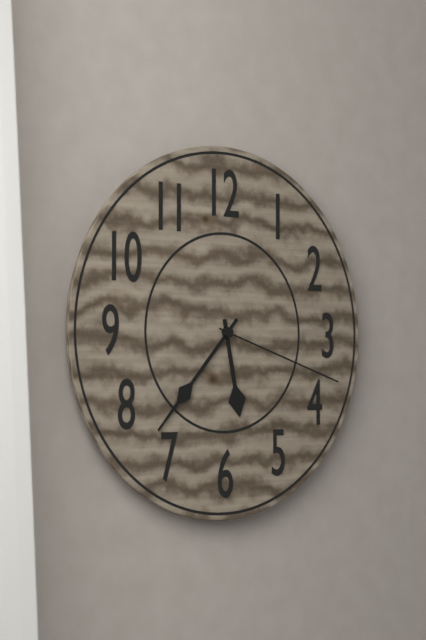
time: **5:37:18**
